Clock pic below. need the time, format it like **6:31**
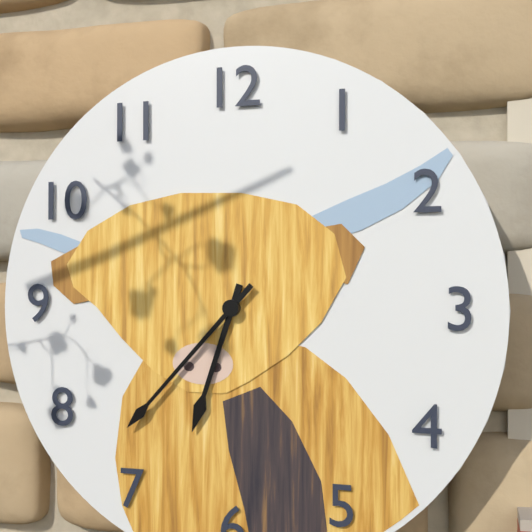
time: **6:37**
